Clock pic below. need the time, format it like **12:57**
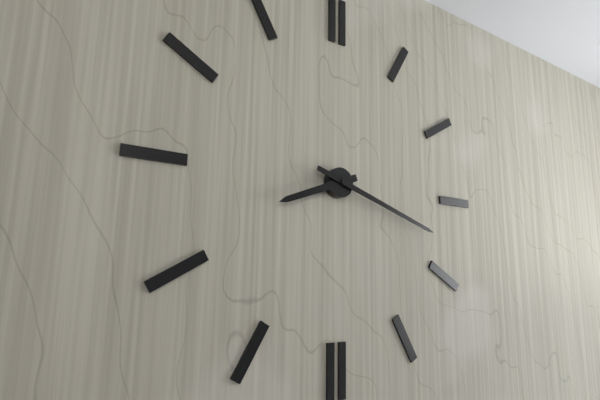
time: **8:18**
